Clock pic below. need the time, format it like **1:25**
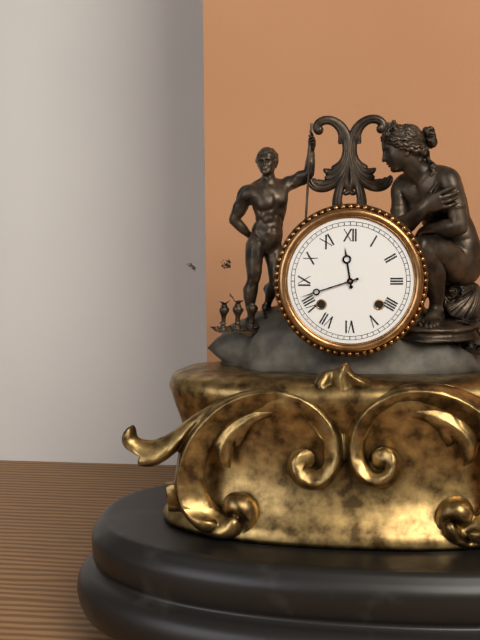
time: **11:42**
